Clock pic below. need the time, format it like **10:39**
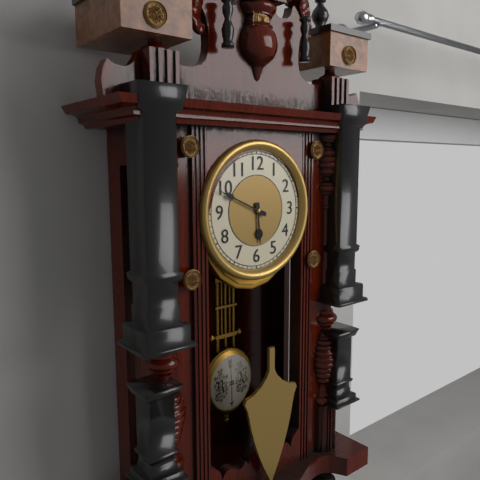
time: **5:49**
